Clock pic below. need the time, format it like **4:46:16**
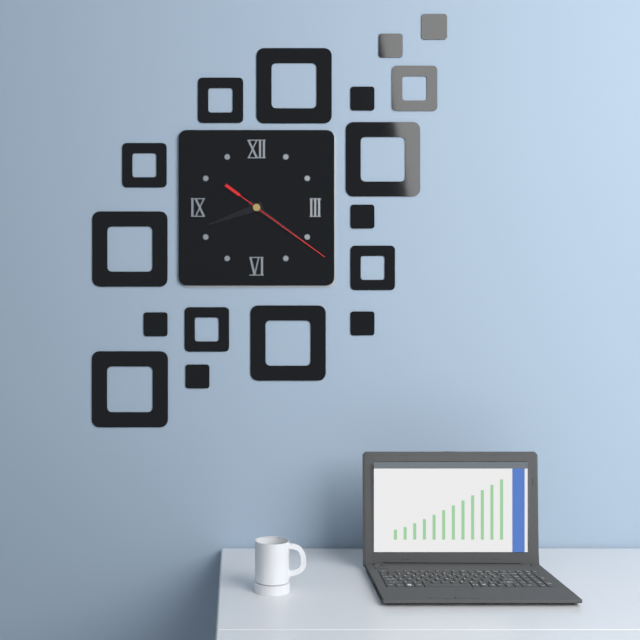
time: **8:21:21**
